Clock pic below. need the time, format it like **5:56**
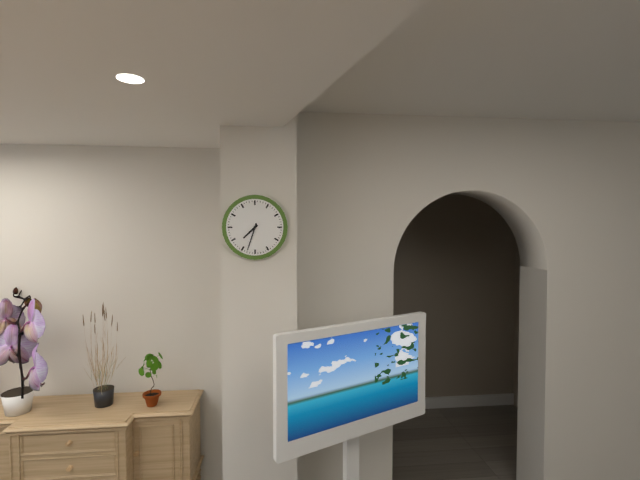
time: **7:33**
